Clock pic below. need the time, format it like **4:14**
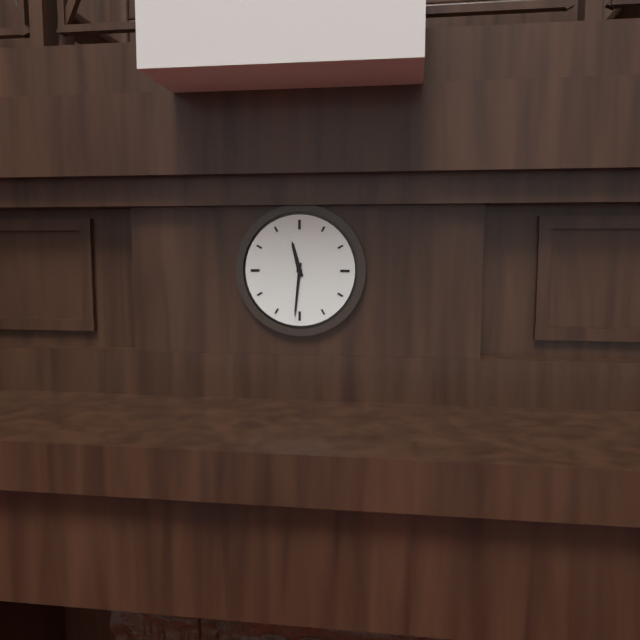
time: **11:31**
